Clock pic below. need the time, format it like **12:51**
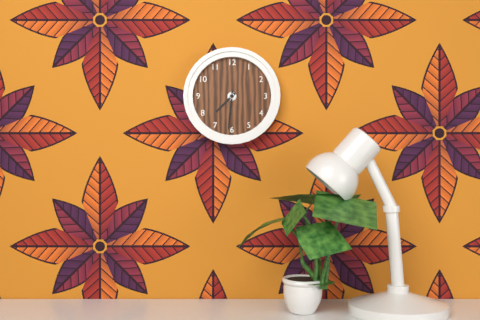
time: **7:31**
